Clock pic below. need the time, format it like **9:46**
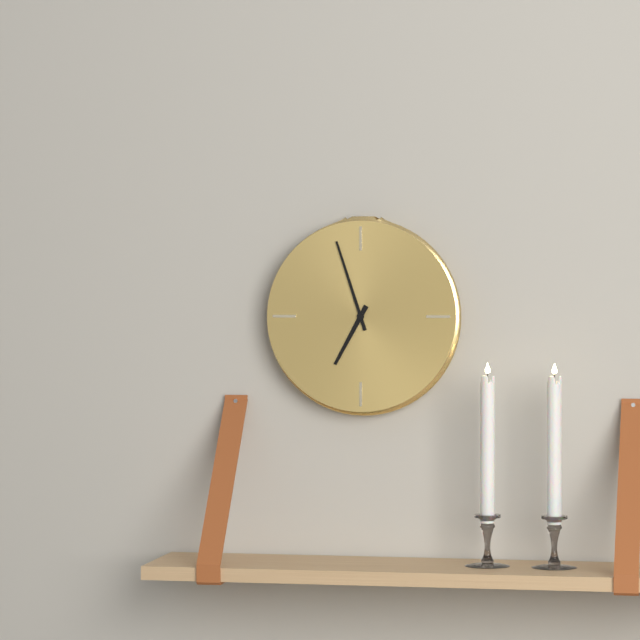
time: **6:57**
